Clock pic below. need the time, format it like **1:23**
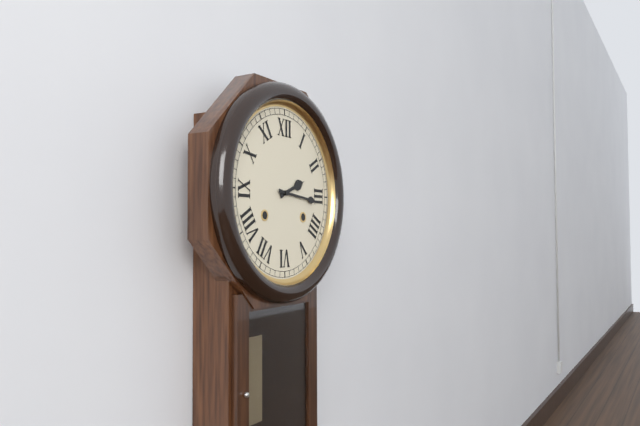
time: **2:16**
